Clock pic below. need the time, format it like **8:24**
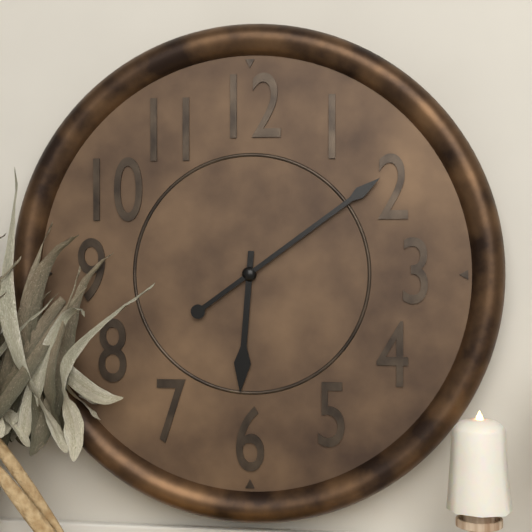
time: **6:09**
